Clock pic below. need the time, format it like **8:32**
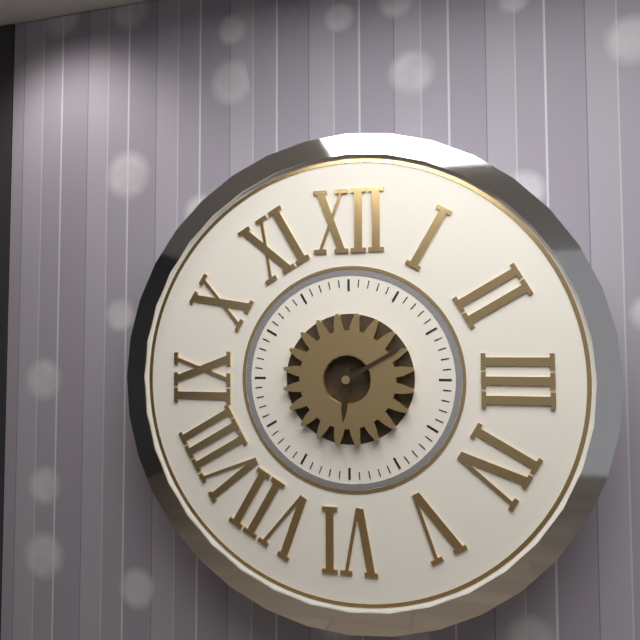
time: **6:10**
